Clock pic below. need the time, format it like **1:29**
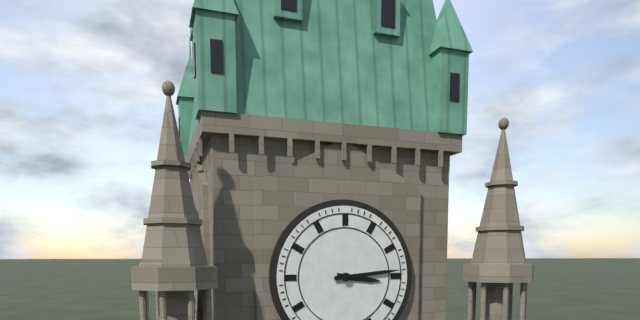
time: **3:14**
